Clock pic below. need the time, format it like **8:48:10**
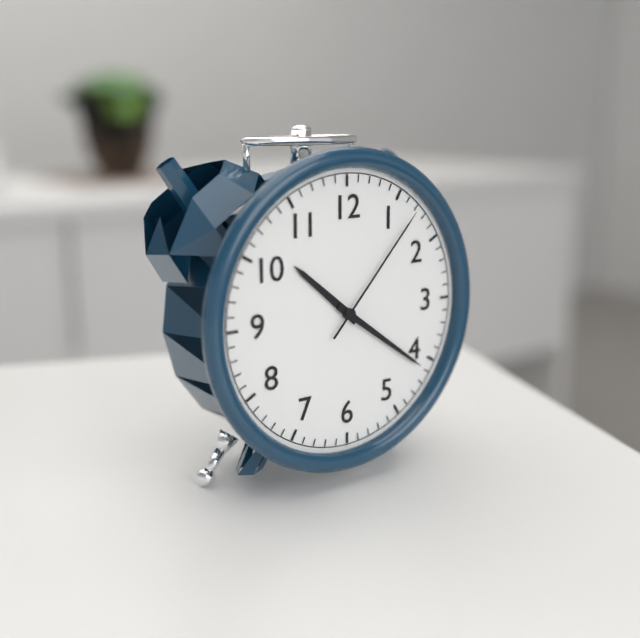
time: **10:21:07**
